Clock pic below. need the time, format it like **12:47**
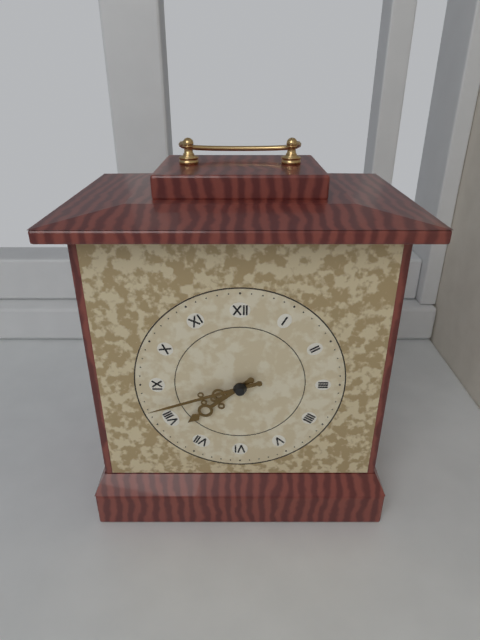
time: **7:42**
